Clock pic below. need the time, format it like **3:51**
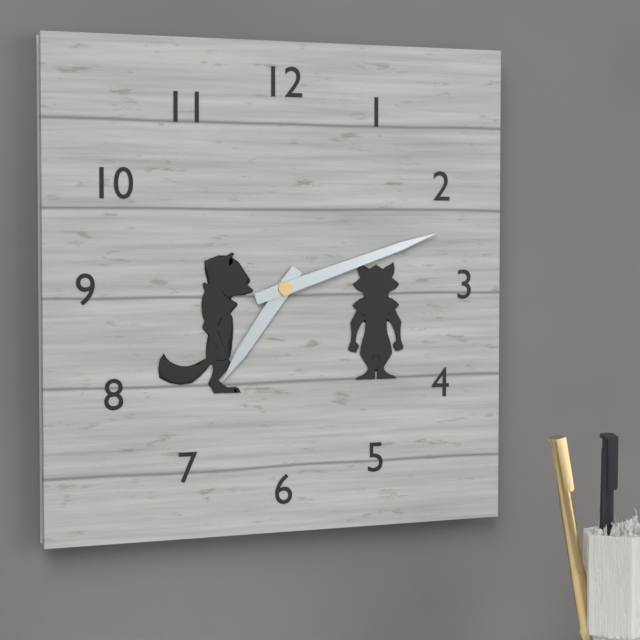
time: **7:12**
